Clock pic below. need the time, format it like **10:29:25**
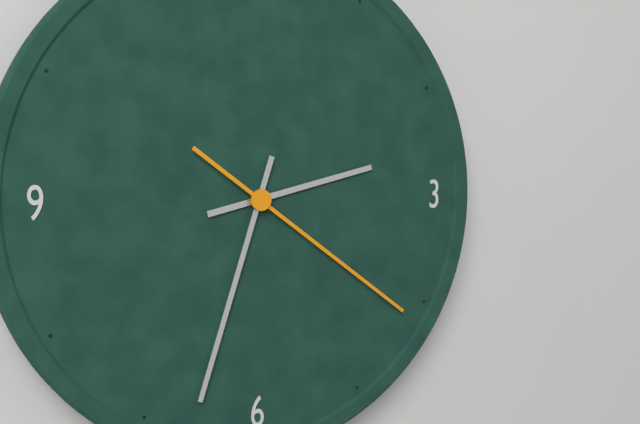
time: **2:33:21**
